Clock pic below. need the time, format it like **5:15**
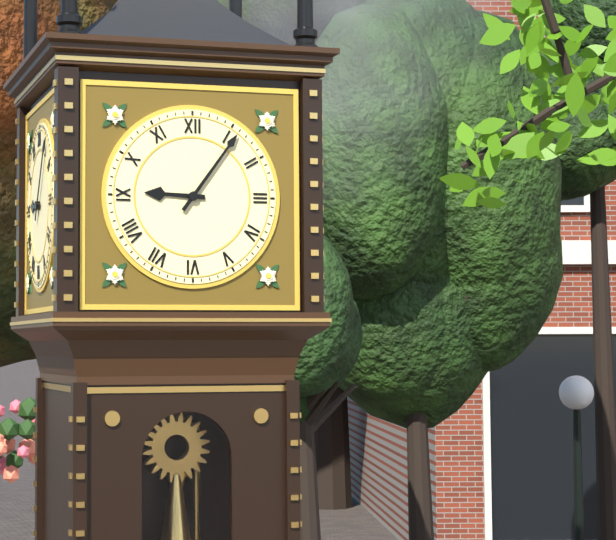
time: **9:06**
